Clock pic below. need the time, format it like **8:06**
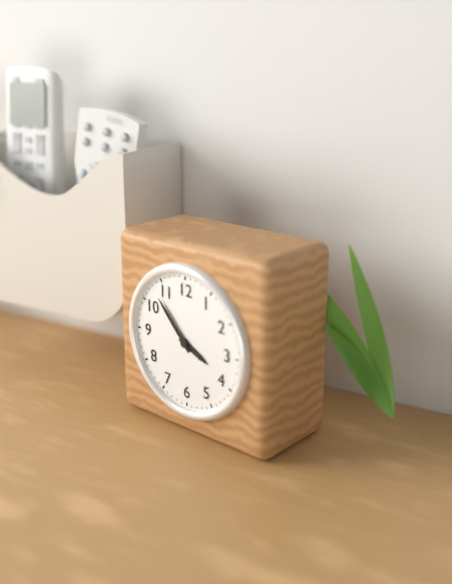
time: **3:53**
